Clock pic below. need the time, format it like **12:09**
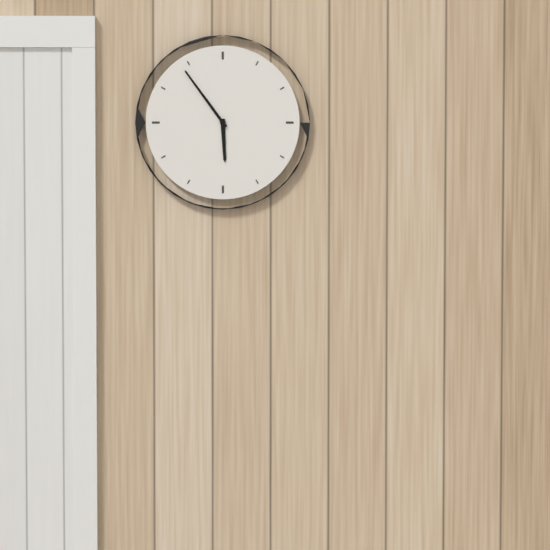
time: **5:54**
